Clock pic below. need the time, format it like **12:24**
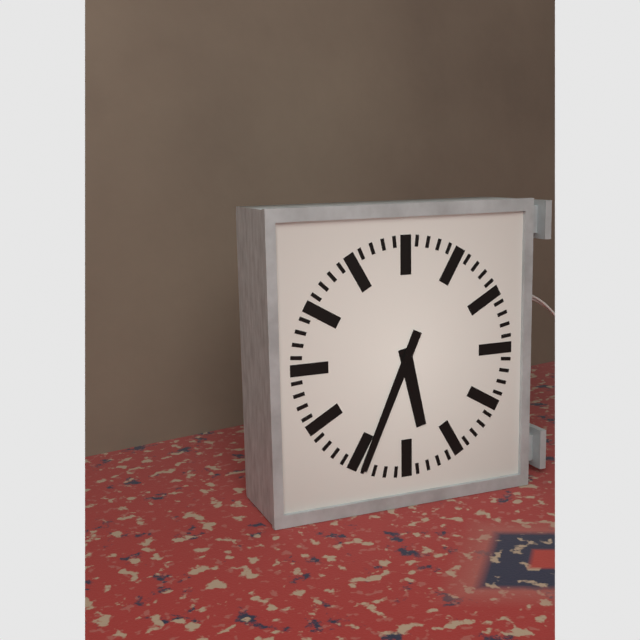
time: **5:34**
